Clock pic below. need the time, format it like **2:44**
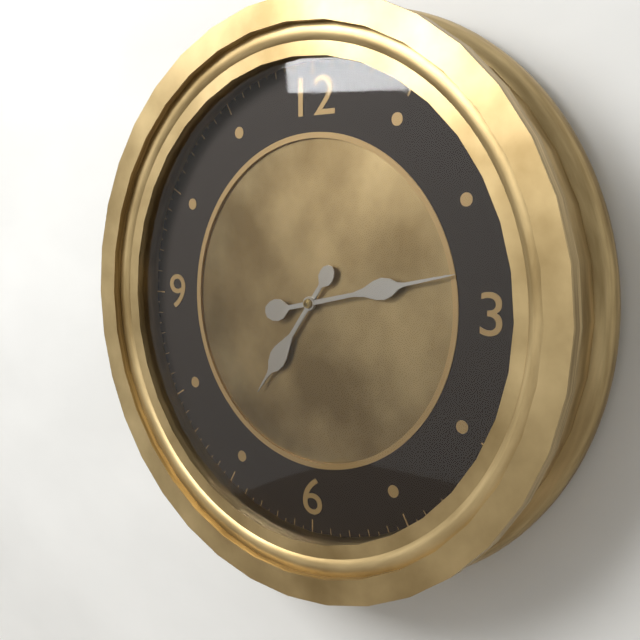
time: **7:13**
